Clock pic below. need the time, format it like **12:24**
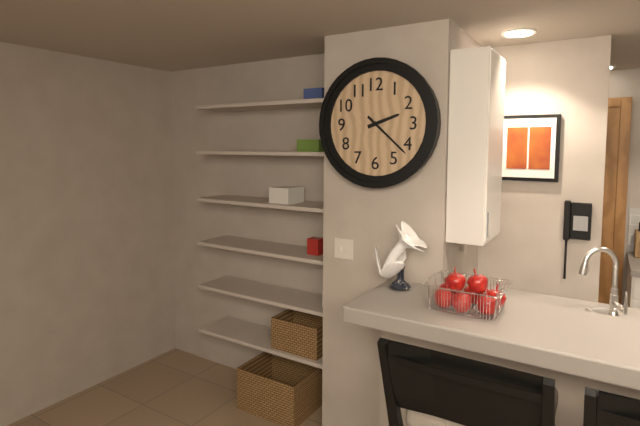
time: **2:22**
